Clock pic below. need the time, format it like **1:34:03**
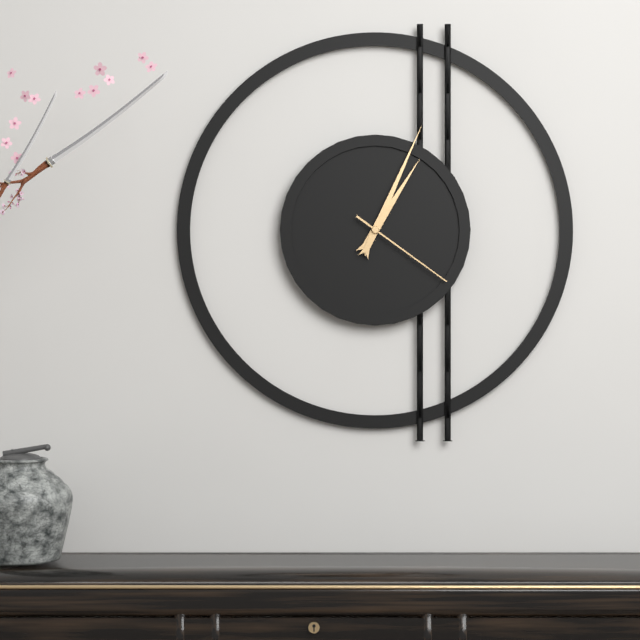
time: **1:04:21**
